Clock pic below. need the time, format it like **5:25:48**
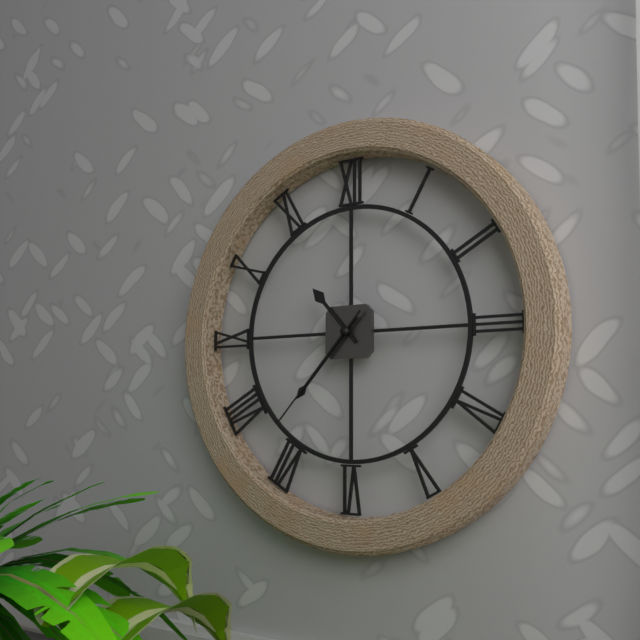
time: **10:37:37**
